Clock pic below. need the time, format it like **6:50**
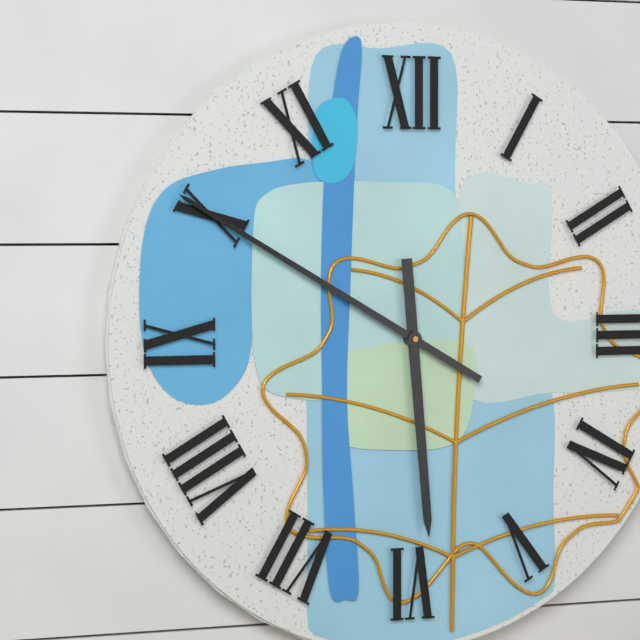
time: **5:50**
